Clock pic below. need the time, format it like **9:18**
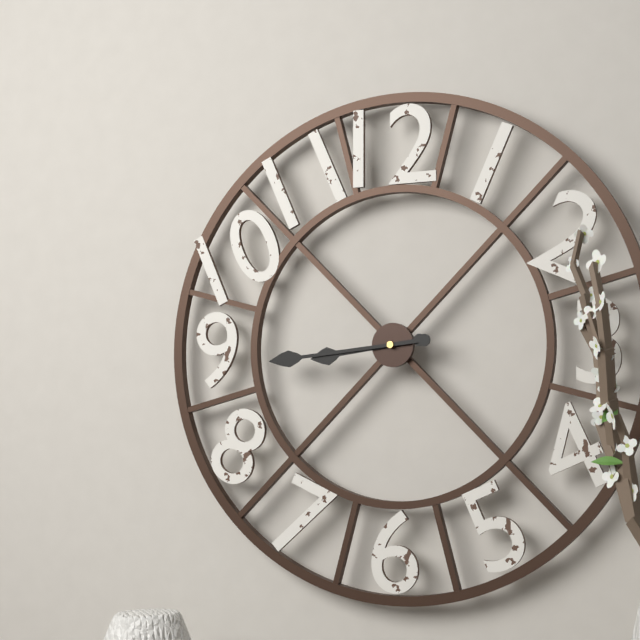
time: **8:44**
